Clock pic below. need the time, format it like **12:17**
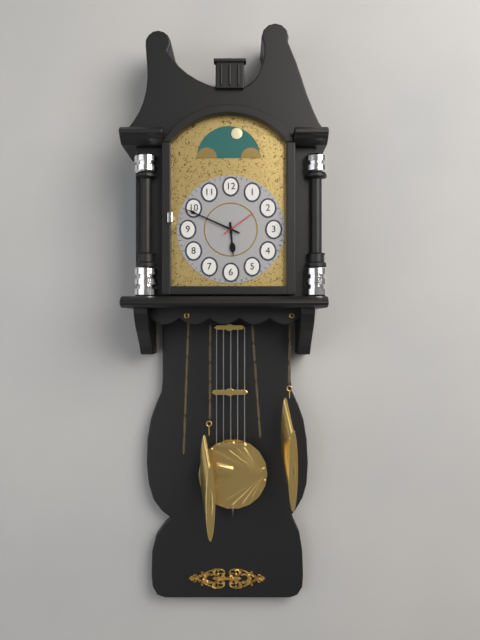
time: **5:49**
